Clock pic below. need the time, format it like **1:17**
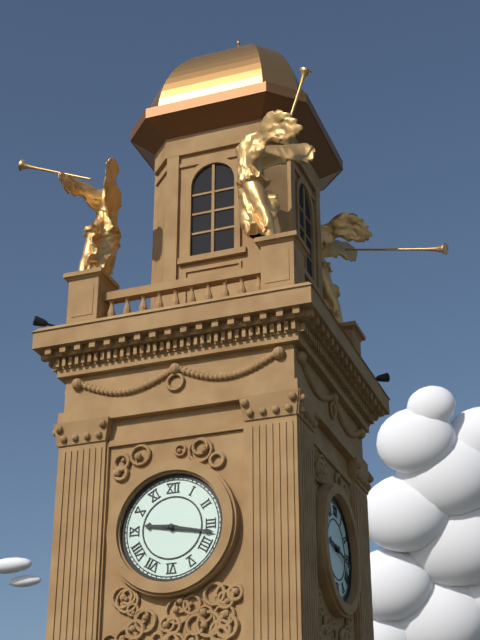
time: **9:17**
